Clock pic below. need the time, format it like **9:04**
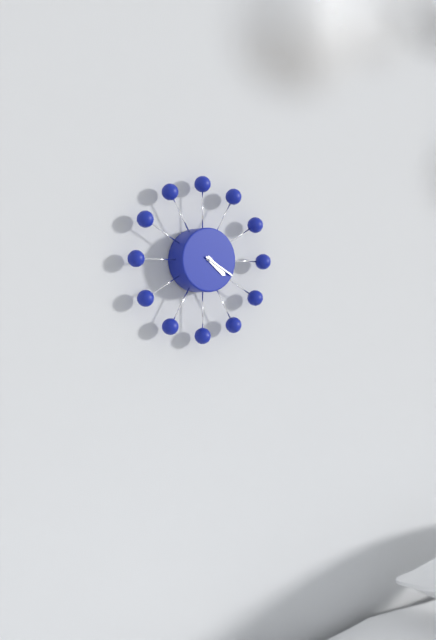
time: **4:20**
